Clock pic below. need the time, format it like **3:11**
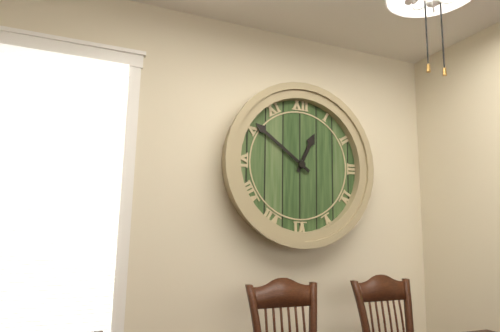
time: **12:51**
